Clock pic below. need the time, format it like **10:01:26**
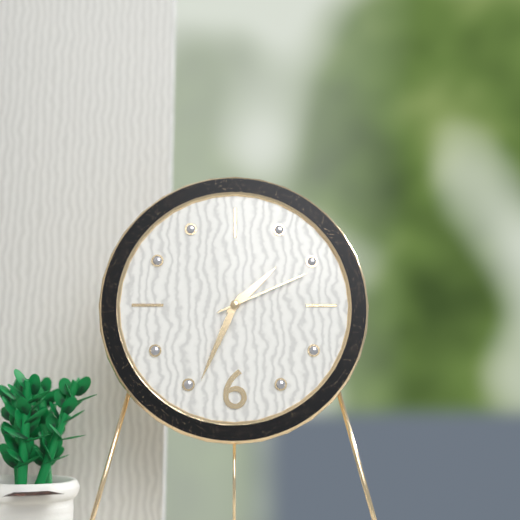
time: **1:34:11**
